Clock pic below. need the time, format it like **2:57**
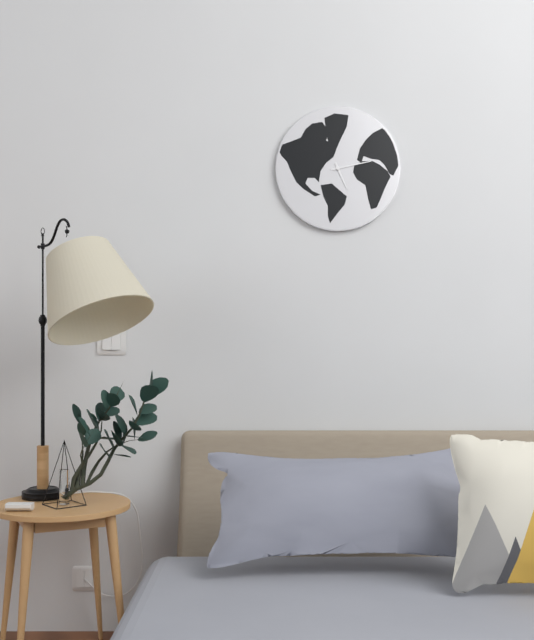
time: **5:13**
